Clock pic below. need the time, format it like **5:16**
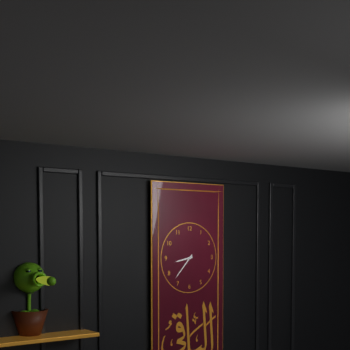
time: **8:37**
